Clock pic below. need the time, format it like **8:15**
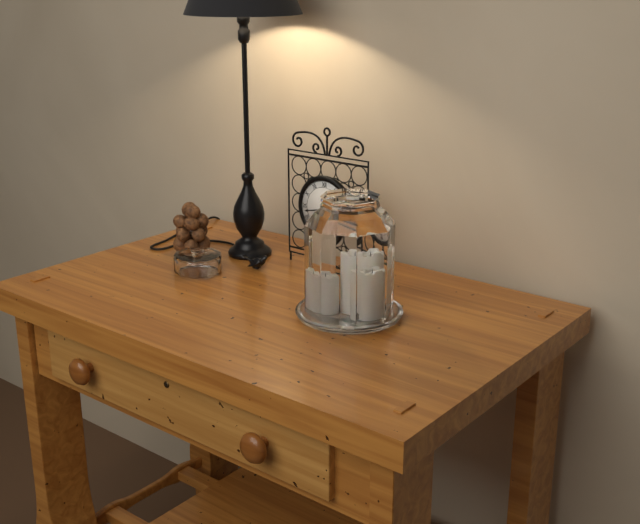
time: **3:43**
